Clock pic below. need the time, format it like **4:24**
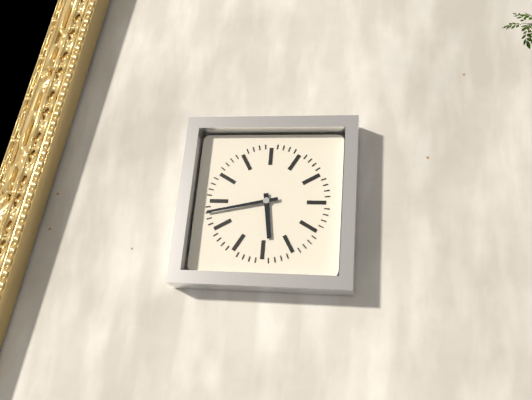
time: **5:43**
